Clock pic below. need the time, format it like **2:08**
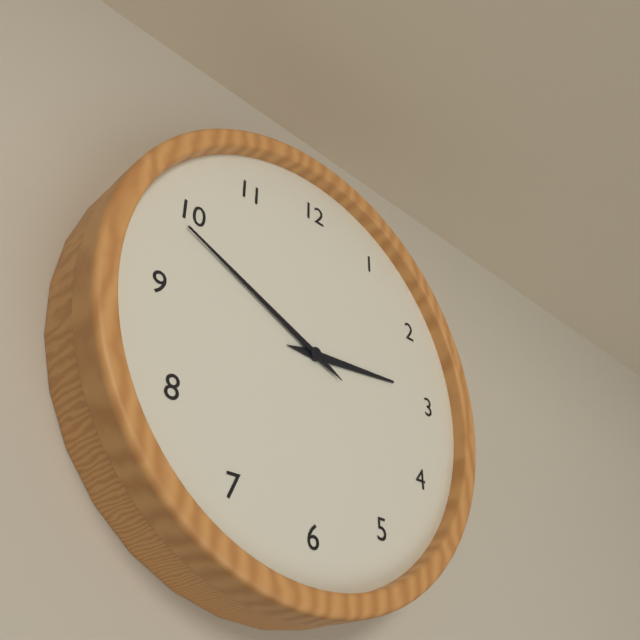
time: **2:49**
